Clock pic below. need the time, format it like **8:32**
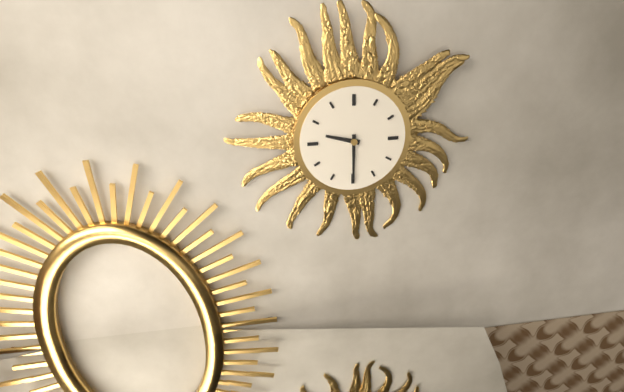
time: **9:30**
